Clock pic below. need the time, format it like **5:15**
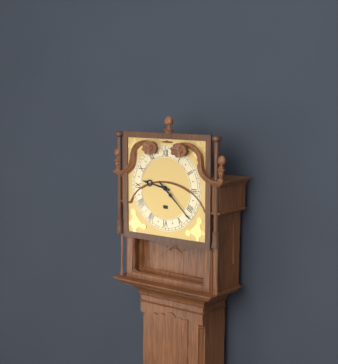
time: **9:22**
